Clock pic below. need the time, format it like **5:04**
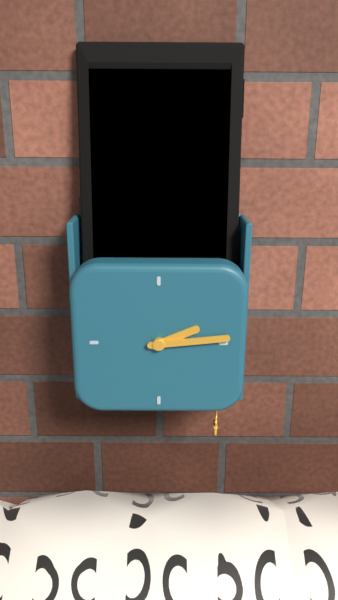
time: **2:14**
